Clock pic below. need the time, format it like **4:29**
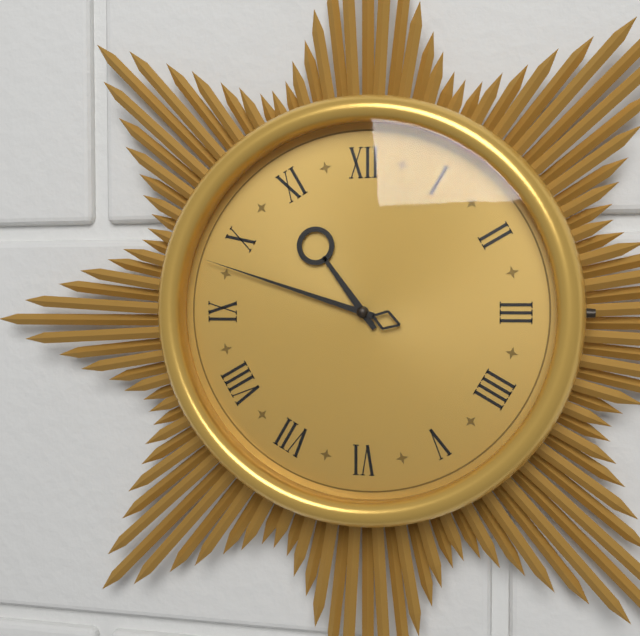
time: **10:48**
